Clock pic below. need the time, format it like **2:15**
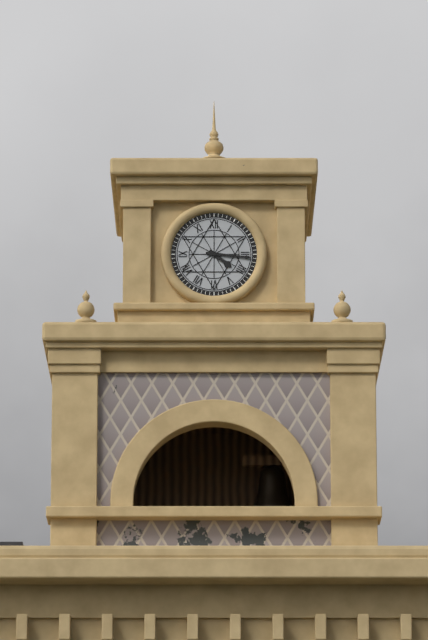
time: **4:16**
